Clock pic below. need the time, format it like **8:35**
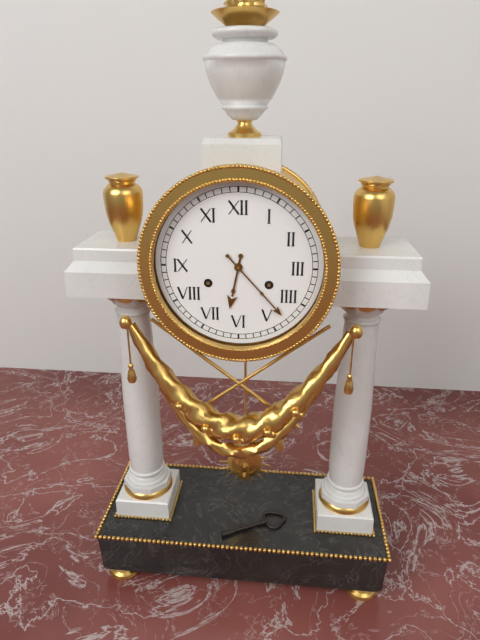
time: **6:23**
